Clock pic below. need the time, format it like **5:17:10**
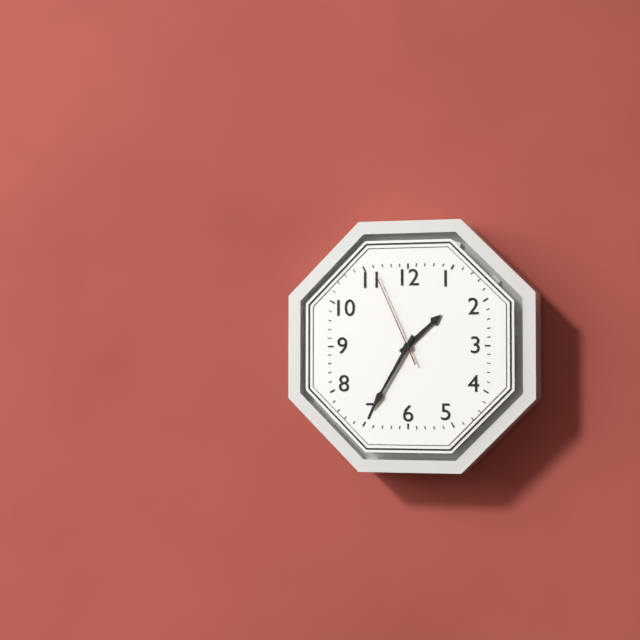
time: **1:35:56**
